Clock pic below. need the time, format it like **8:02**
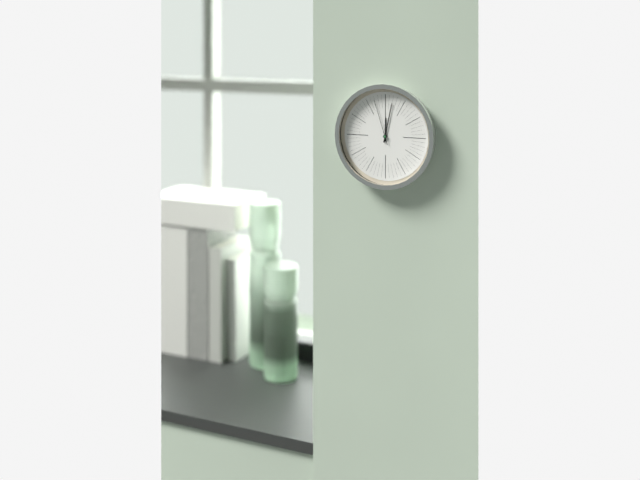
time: **12:02**
